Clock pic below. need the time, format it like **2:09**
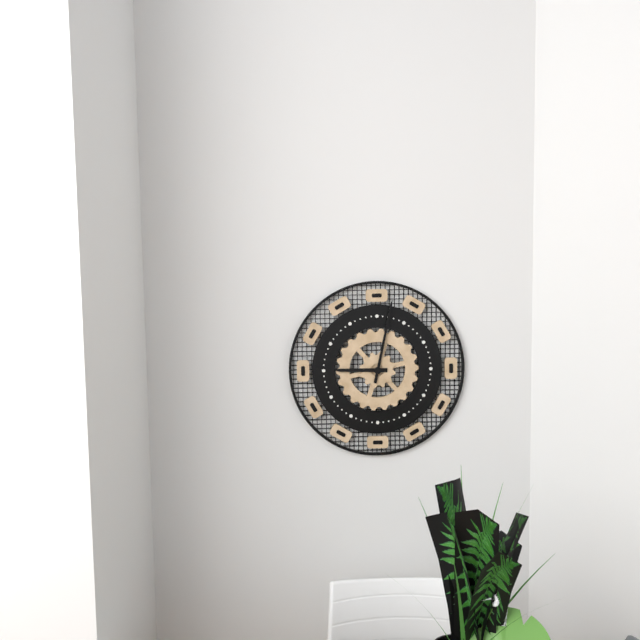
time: **9:02**
